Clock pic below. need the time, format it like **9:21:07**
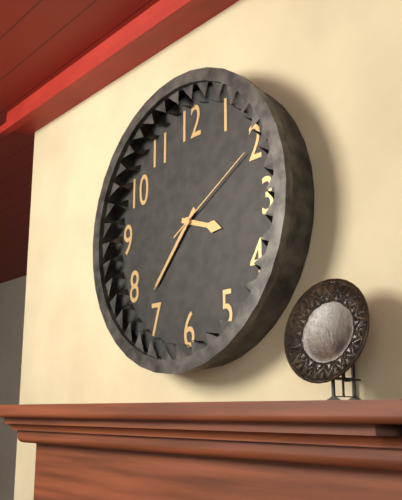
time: **3:37:10**
